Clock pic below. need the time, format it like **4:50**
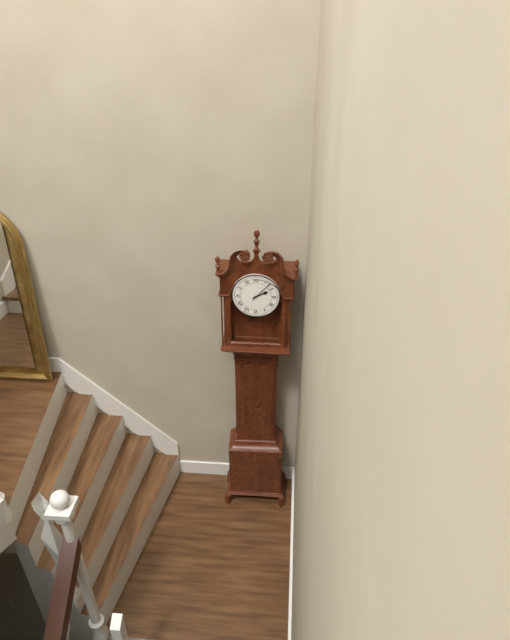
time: **2:07**
